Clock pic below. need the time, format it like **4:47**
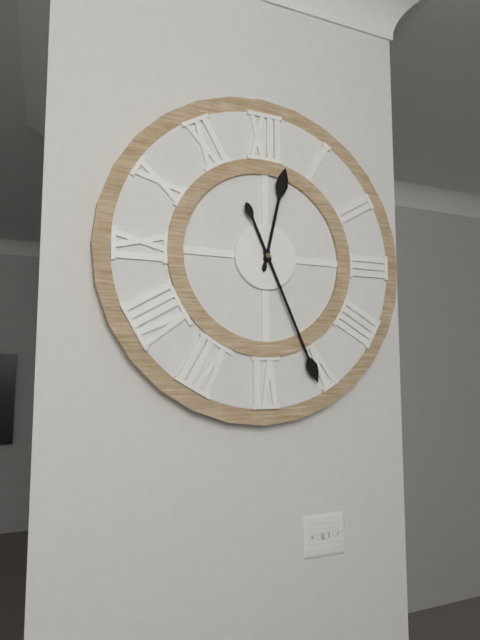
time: **12:26**
